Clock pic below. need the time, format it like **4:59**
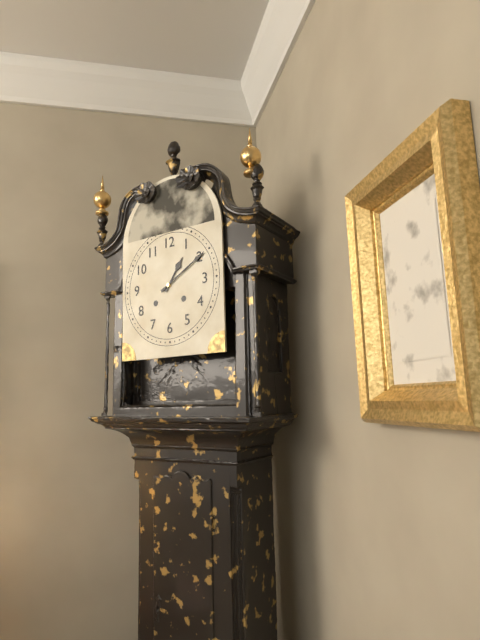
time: **1:10**
